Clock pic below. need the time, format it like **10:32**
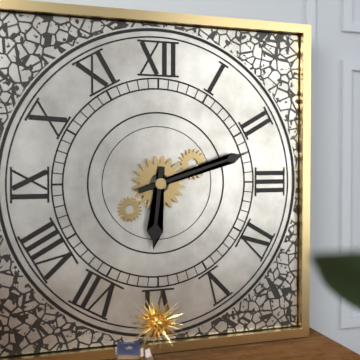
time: **6:12**
